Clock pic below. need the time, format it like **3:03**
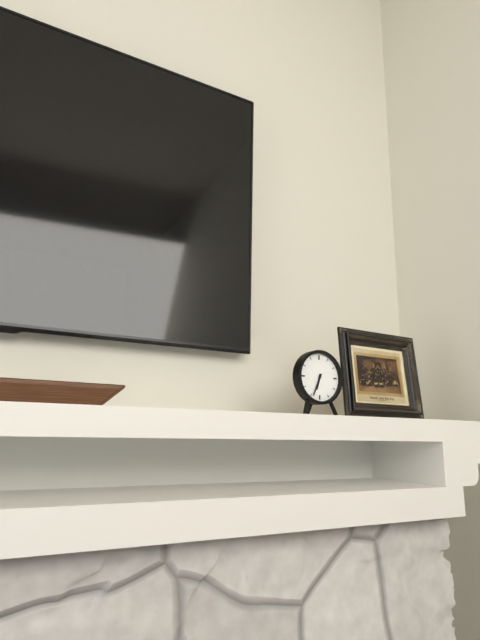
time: **6:34**
